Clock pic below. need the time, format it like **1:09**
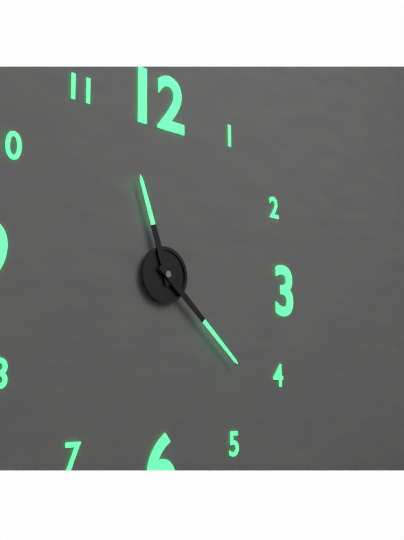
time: **11:22**
